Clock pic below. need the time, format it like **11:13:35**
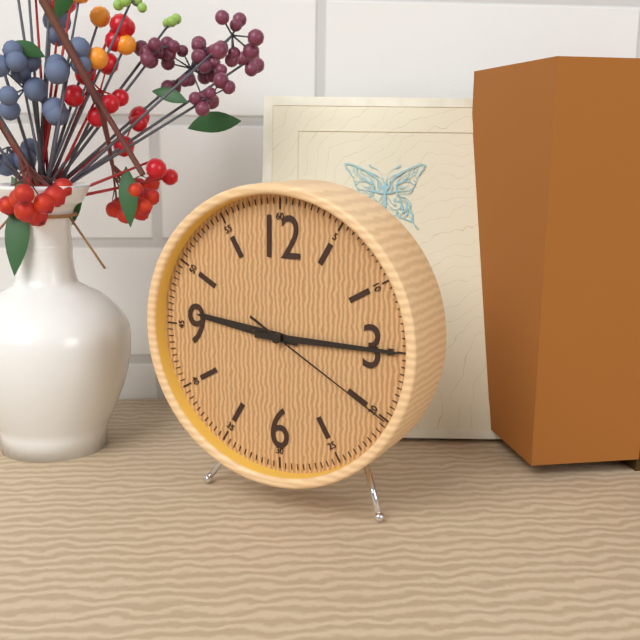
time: **9:15:20**
